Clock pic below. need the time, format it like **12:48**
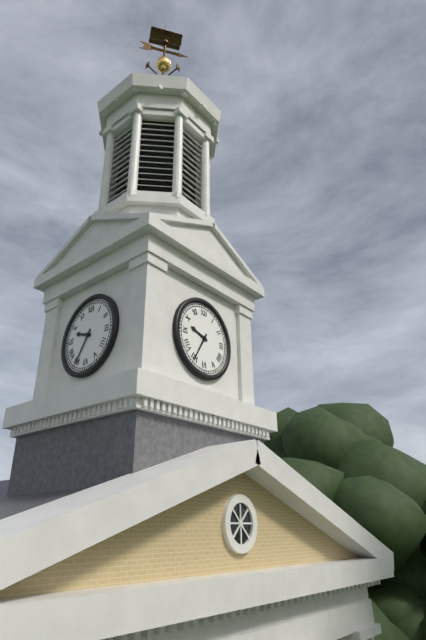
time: **9:35**
